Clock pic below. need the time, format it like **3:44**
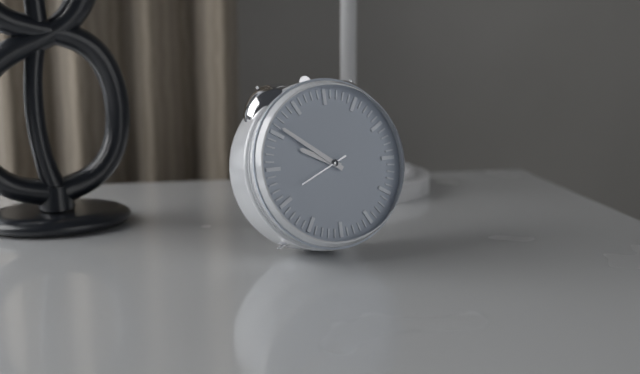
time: **9:51**
